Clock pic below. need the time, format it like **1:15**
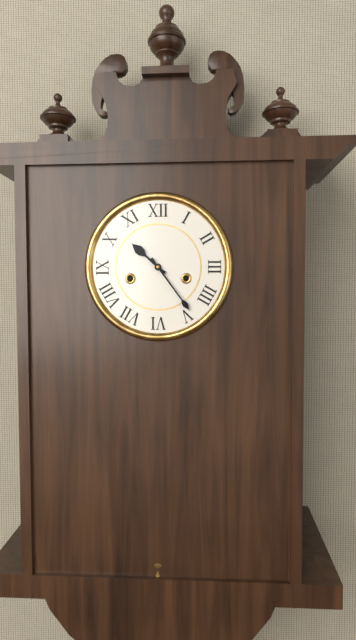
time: **10:24**
